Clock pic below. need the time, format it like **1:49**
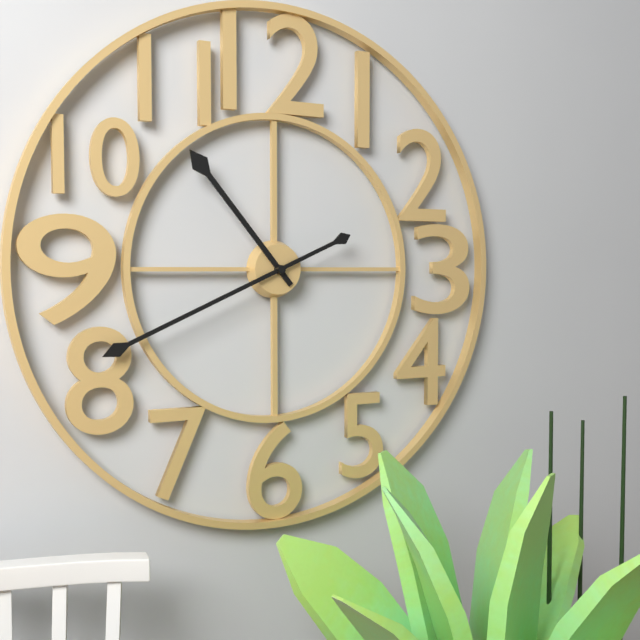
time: **10:41**
